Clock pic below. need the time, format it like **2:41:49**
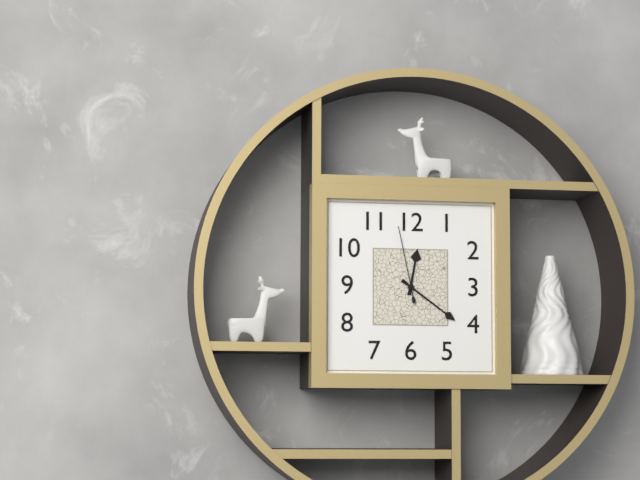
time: **12:21:58**
